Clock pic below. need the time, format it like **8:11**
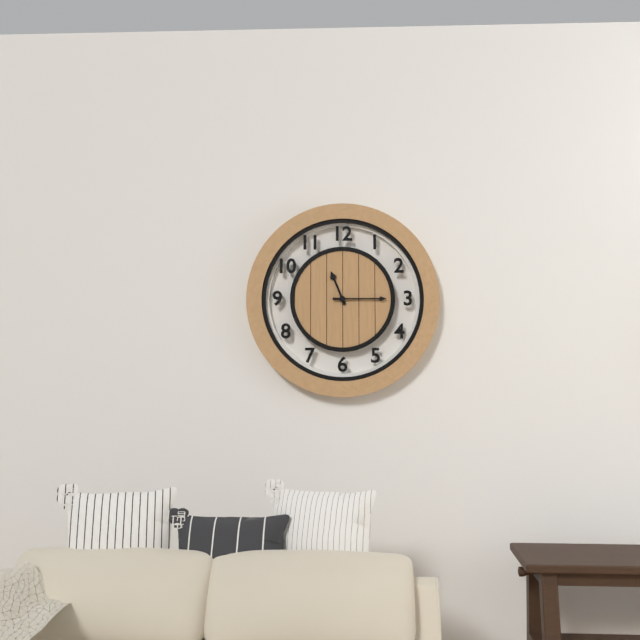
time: **11:15**
